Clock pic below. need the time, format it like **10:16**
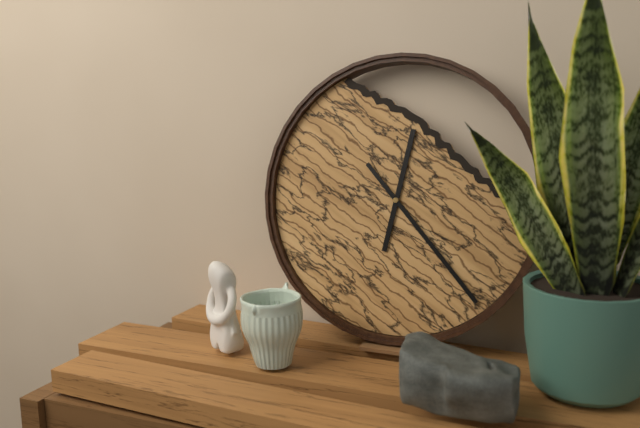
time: **12:23**
